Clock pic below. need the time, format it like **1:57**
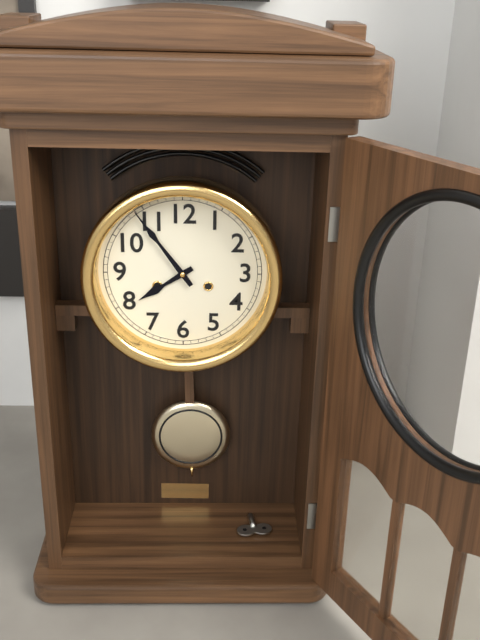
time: **7:54**
